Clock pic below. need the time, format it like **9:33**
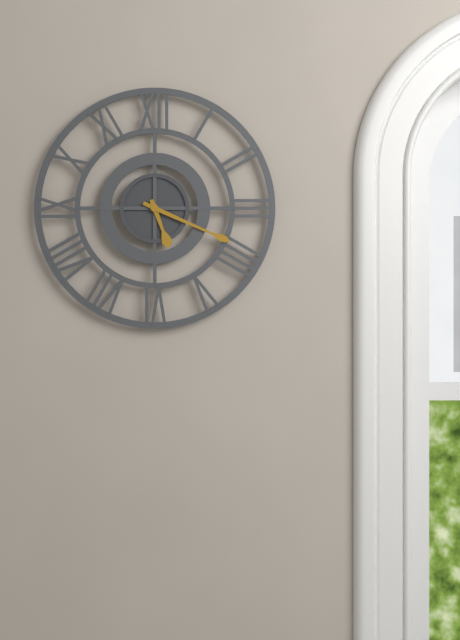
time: **5:19**
